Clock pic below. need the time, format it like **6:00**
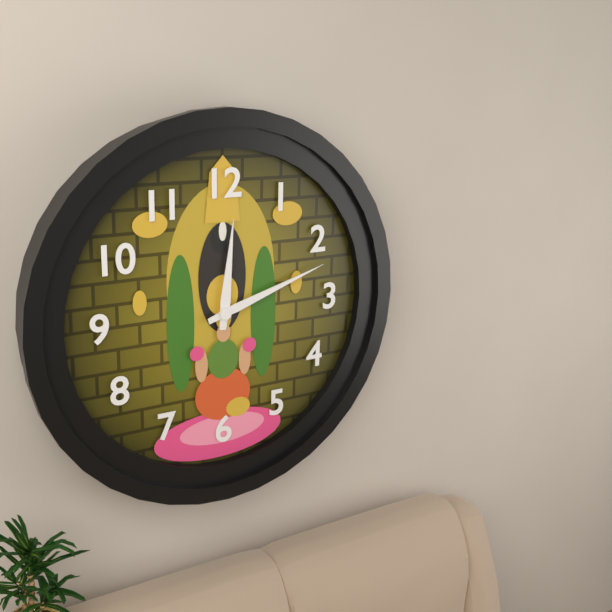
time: **12:12**
